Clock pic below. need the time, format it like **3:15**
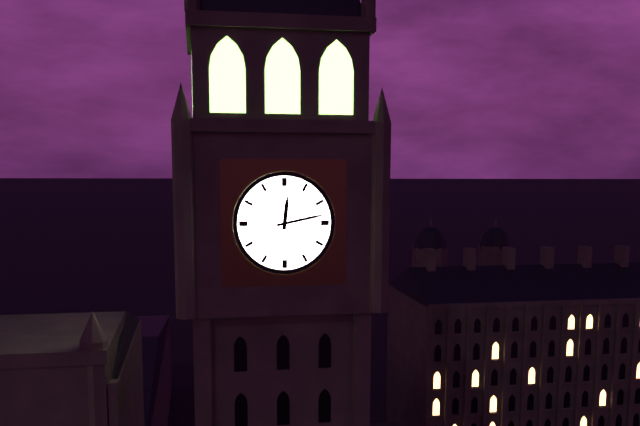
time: **12:13**
